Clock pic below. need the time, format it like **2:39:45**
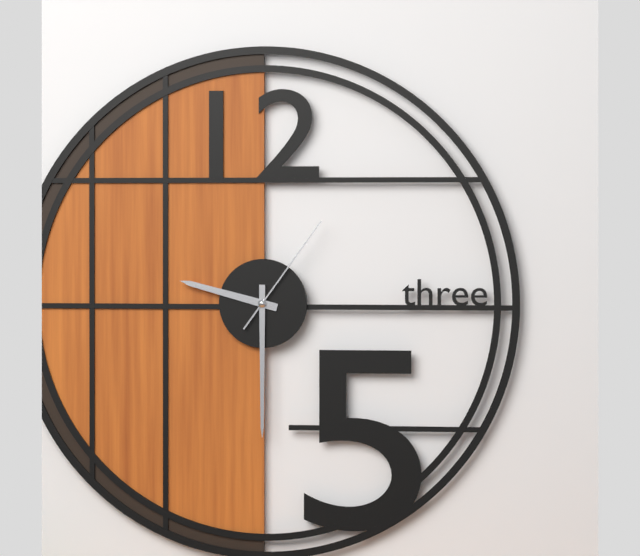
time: **9:30:06**
